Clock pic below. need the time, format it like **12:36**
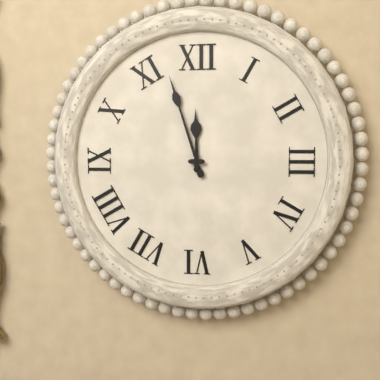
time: **11:57**
